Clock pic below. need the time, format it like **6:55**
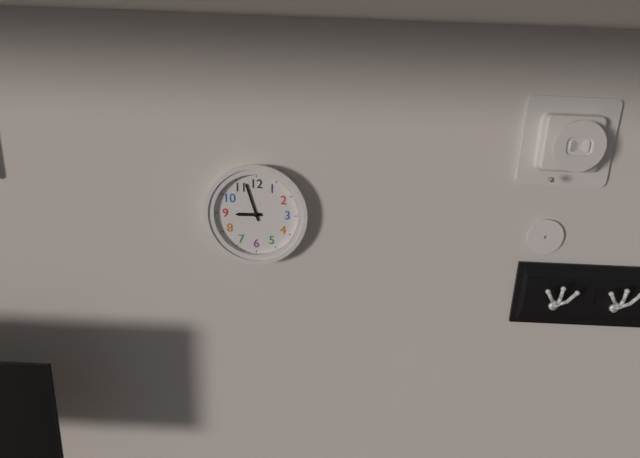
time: **8:57**
